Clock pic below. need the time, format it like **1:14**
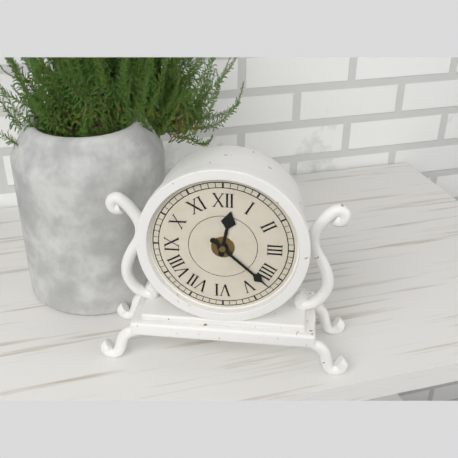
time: **12:22**
